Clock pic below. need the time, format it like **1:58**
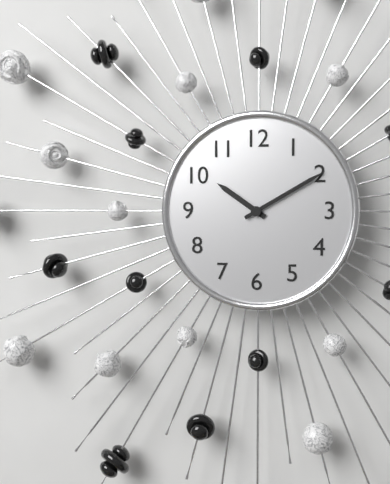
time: **10:10**
